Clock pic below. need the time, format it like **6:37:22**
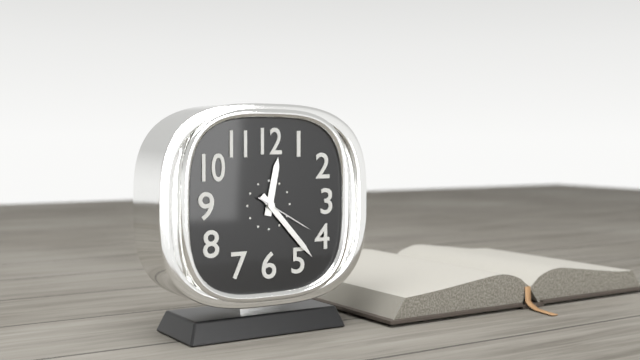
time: **12:23:20**
